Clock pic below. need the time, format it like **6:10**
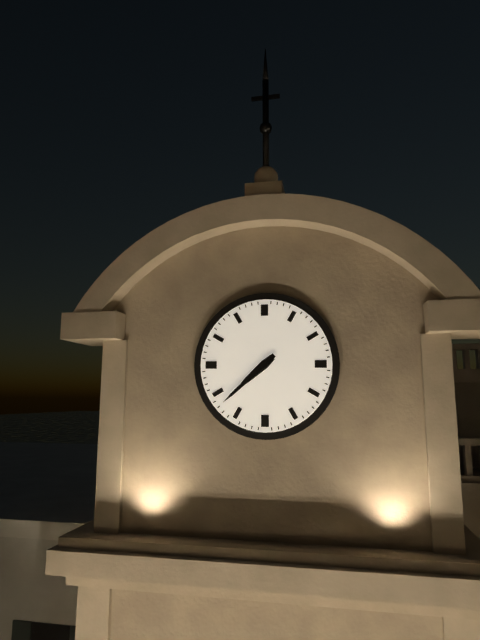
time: **7:38**
